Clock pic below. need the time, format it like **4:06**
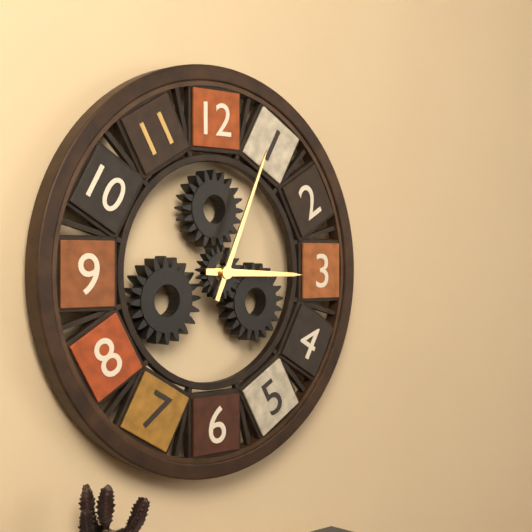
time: **3:04**
